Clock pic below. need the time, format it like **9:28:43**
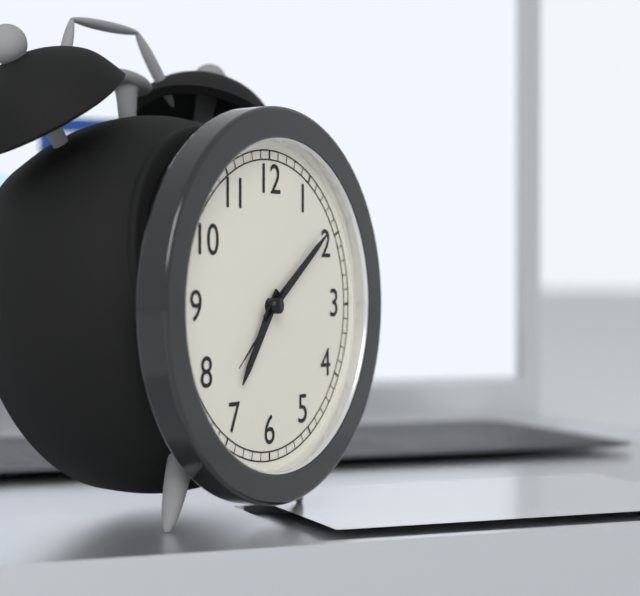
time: **7:09:38**
